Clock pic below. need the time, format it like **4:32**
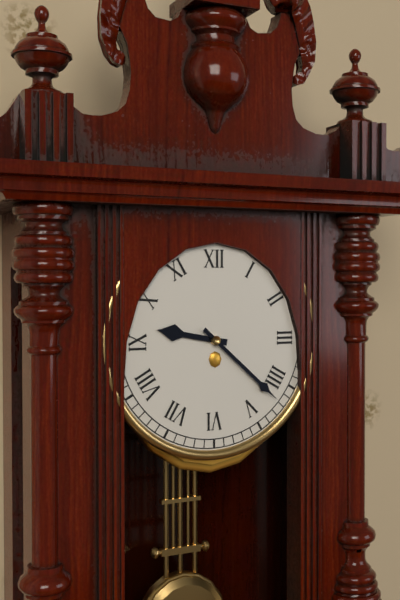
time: **9:22**
